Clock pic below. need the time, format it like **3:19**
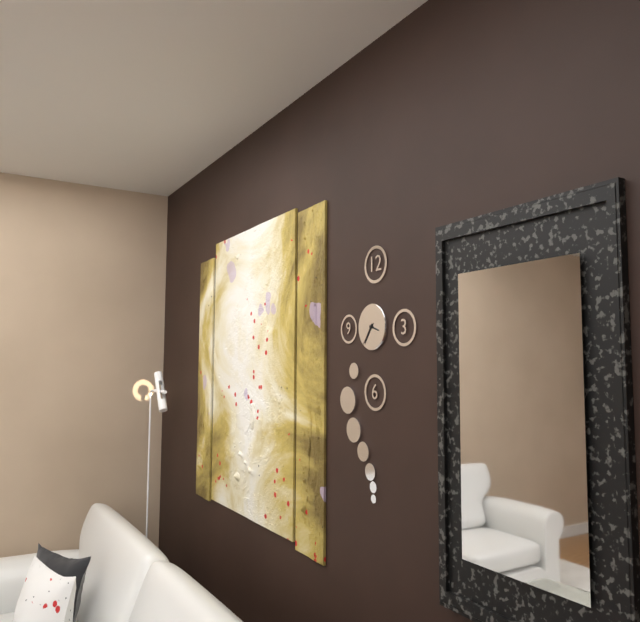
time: **3:36**
